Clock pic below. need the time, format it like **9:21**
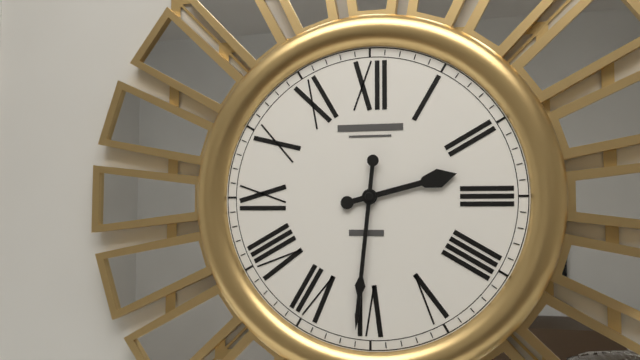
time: **2:31**
